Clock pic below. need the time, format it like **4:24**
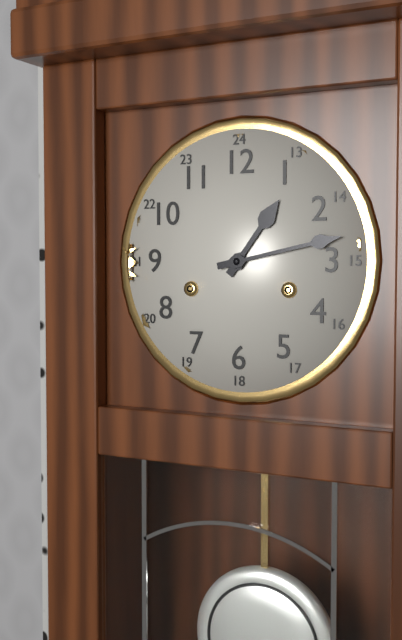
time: **1:13**
